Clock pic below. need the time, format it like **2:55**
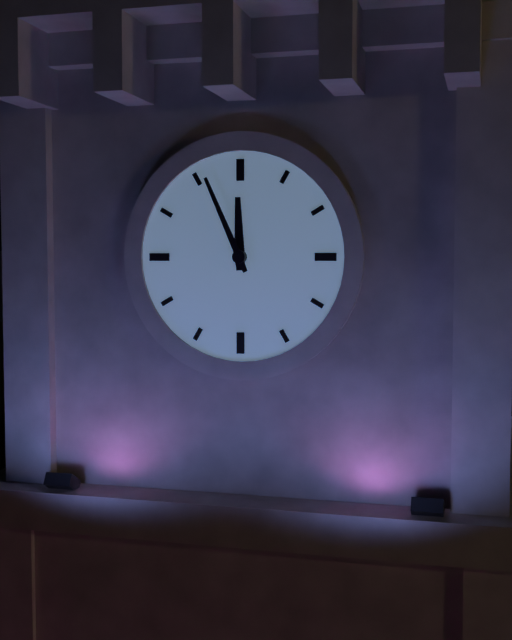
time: **11:56**
